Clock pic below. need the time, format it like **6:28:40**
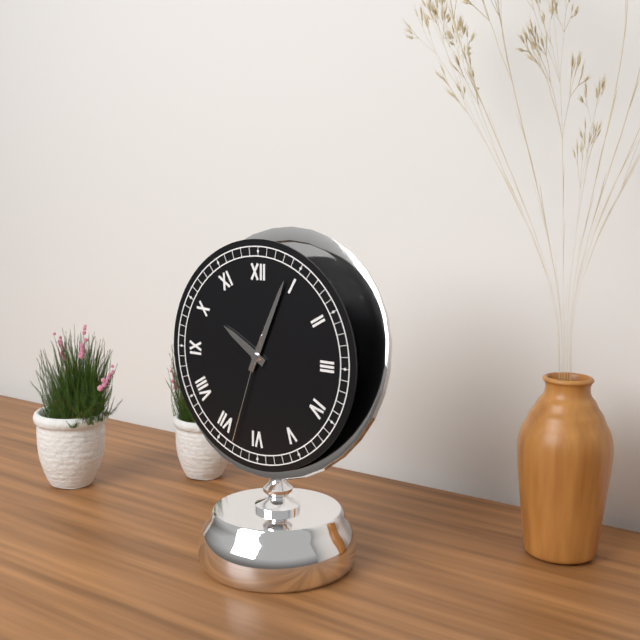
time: **10:04:33**
